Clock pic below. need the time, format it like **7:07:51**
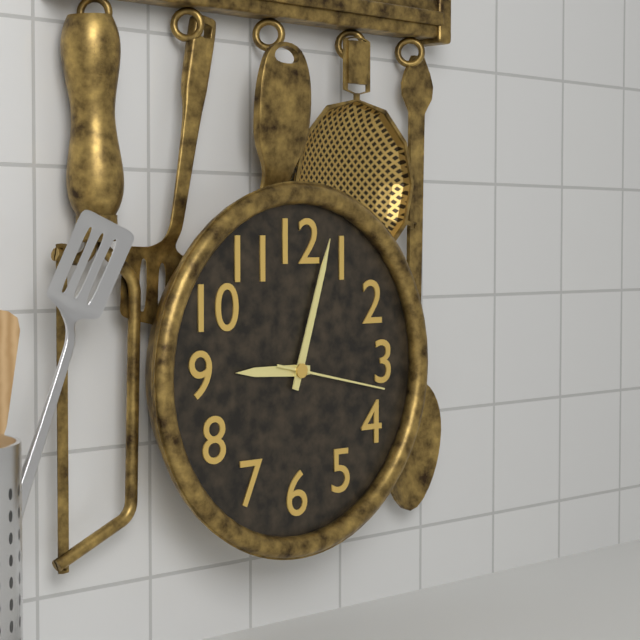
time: **9:03:17**
